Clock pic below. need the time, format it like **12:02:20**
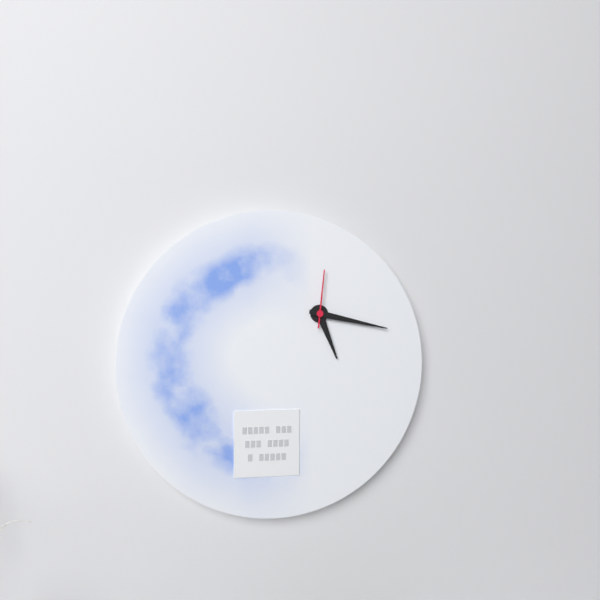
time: **5:17:01**
